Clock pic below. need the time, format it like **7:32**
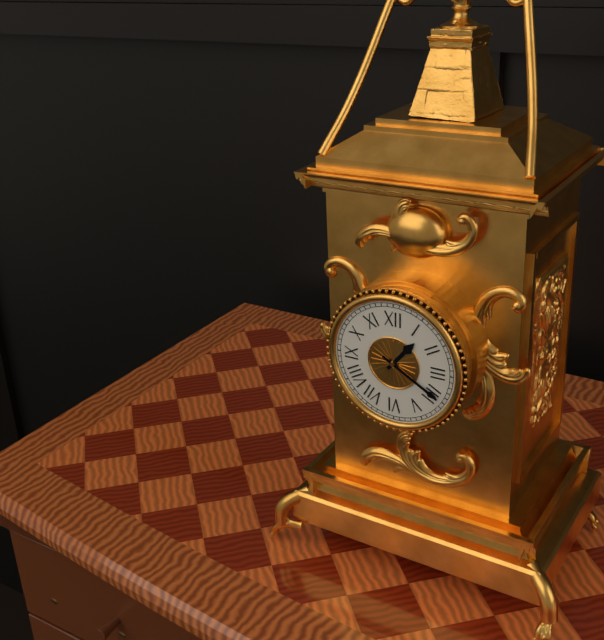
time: **1:20**
